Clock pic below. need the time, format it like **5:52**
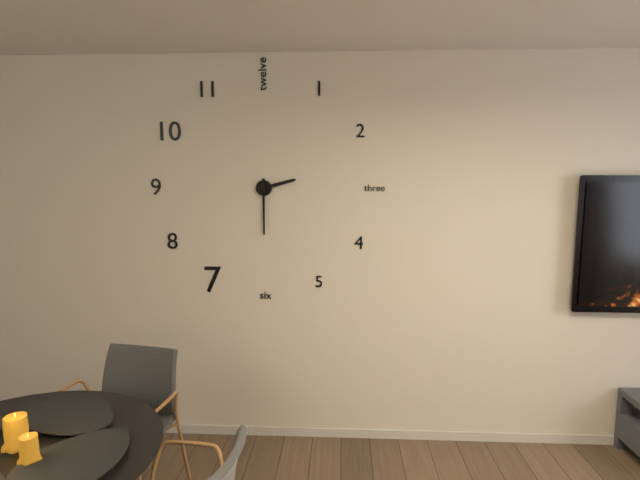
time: **2:30**
